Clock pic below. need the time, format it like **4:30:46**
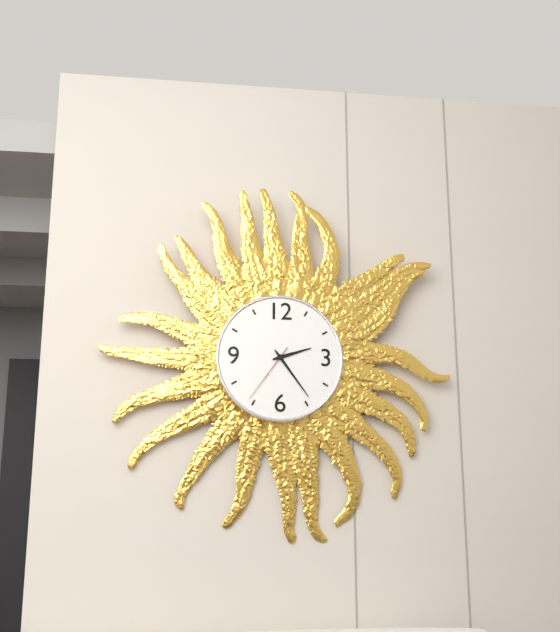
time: **2:24:36**
